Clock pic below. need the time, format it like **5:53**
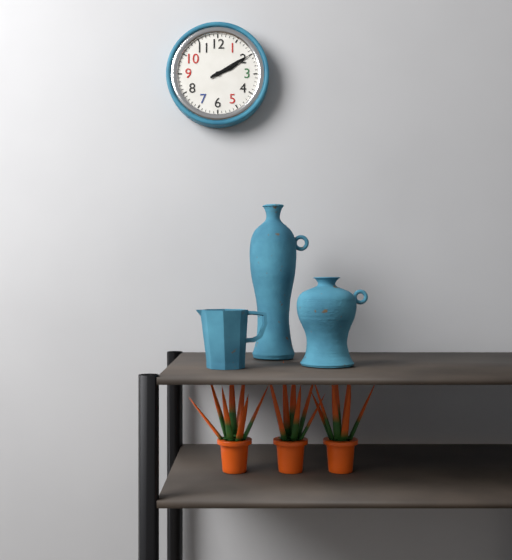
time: **2:10**
